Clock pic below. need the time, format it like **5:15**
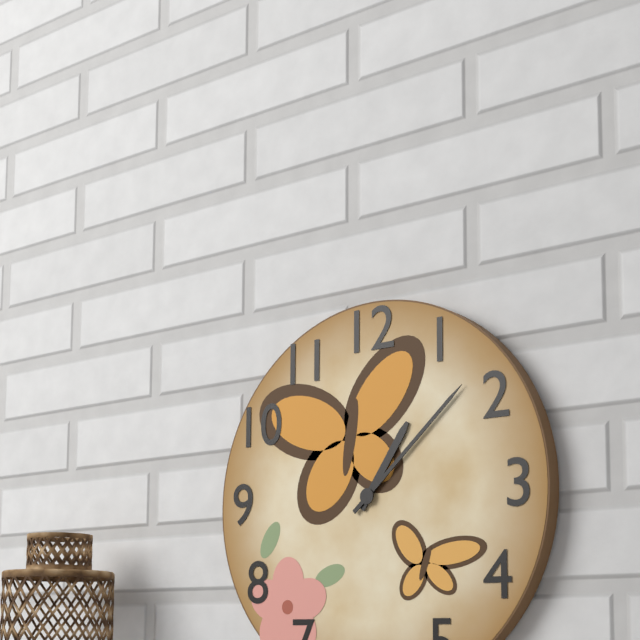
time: **1:08**
